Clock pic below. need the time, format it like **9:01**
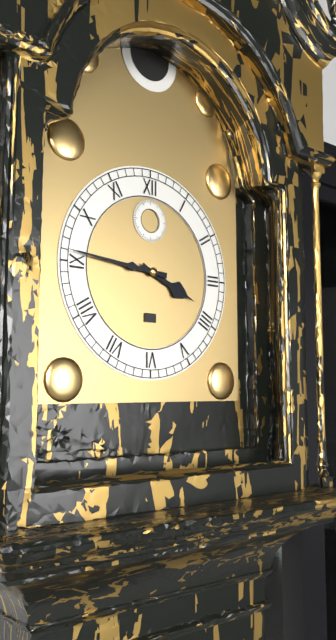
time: **3:46**
